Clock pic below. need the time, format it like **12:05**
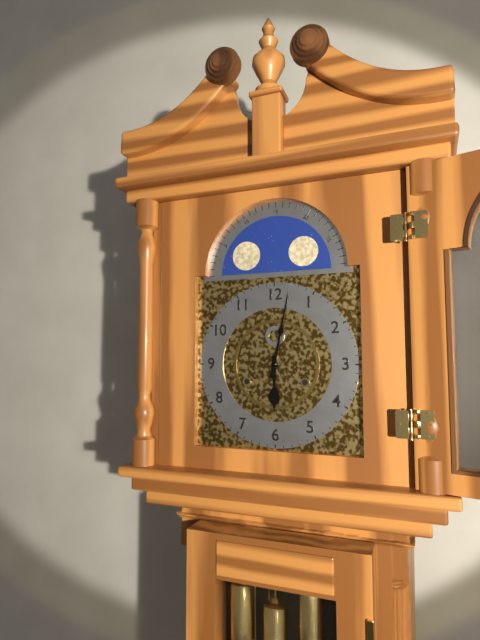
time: **6:02**
